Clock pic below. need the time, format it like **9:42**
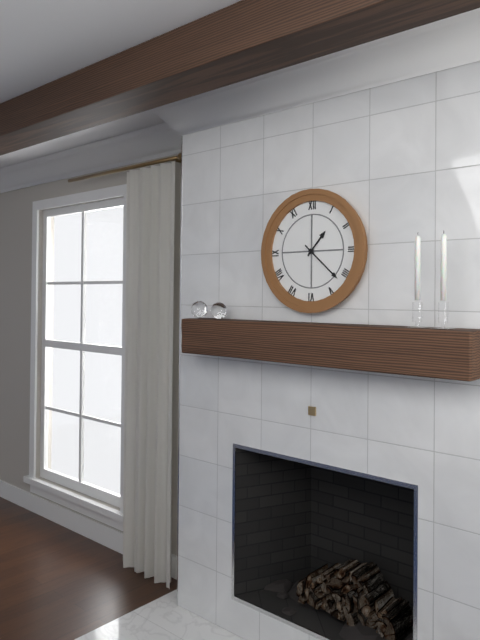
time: **1:22**
